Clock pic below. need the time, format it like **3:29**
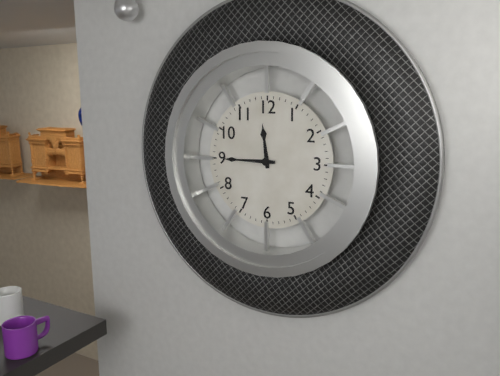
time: **11:45**
